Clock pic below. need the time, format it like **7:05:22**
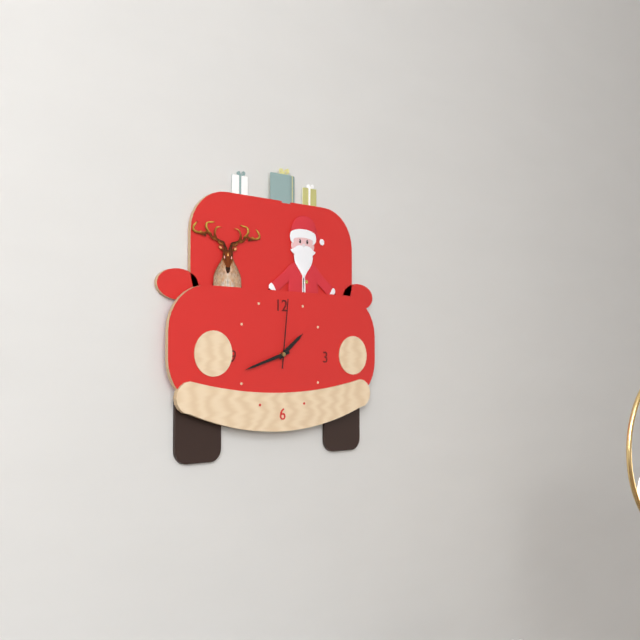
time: **1:42:01**
